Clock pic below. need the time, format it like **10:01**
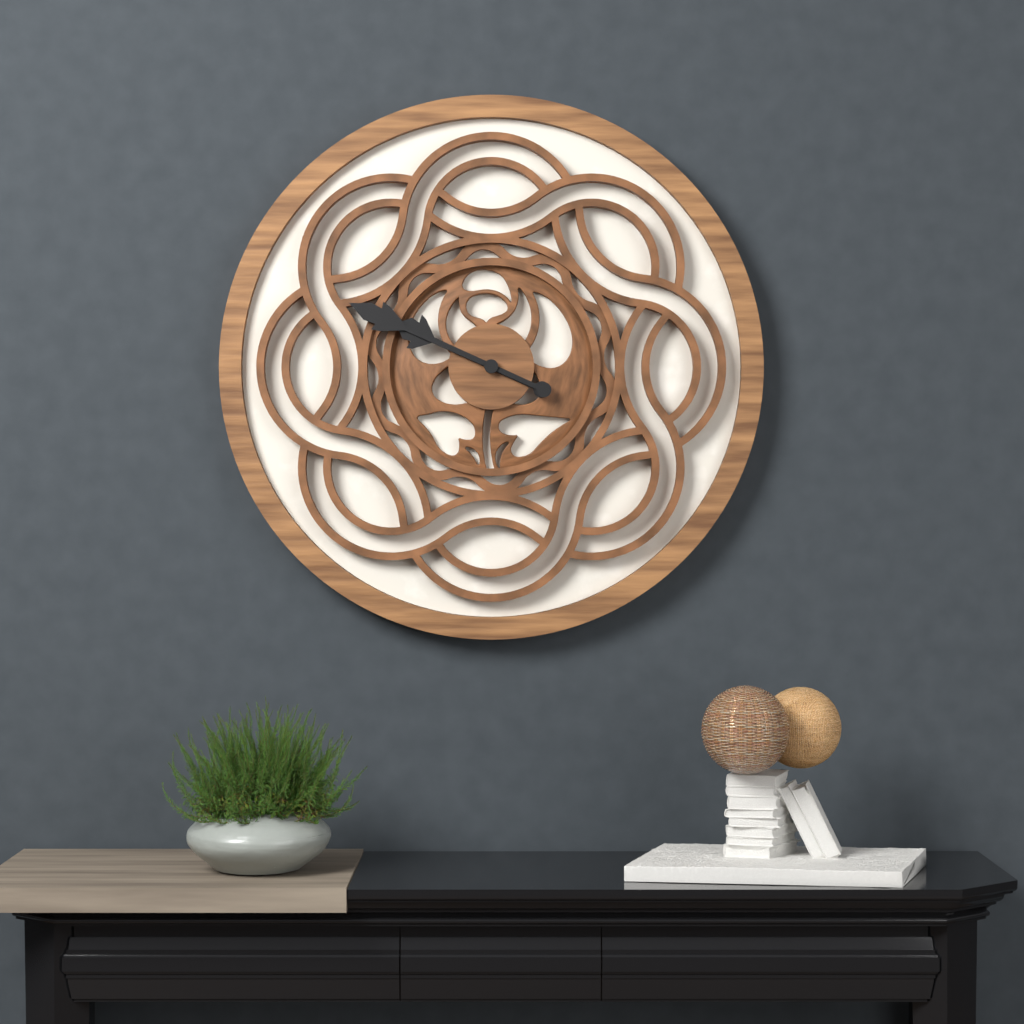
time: **9:49**
